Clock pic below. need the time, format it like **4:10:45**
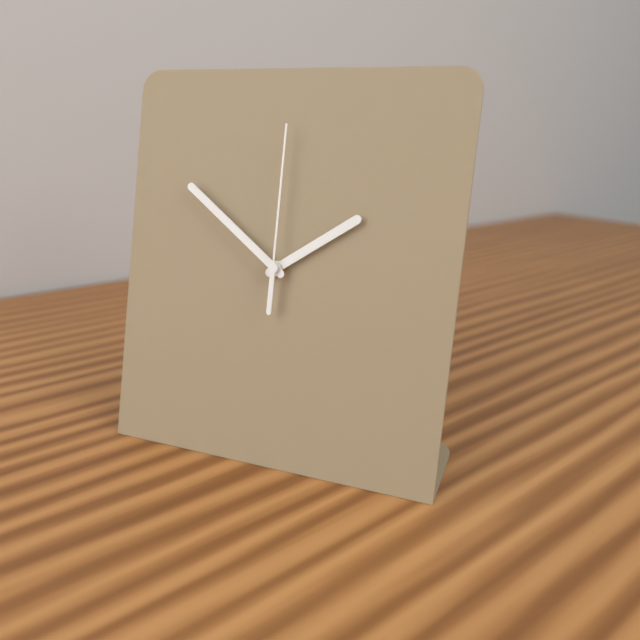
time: **1:51:00**
